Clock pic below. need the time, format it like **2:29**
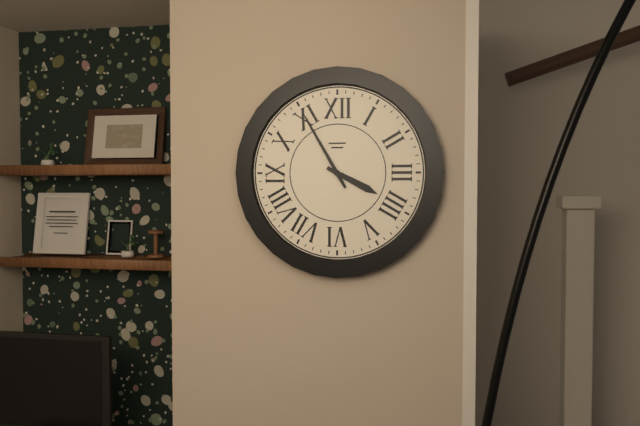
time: **3:55**
